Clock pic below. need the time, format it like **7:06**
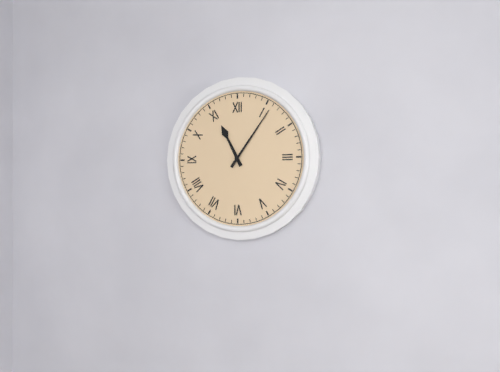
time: **11:06**
